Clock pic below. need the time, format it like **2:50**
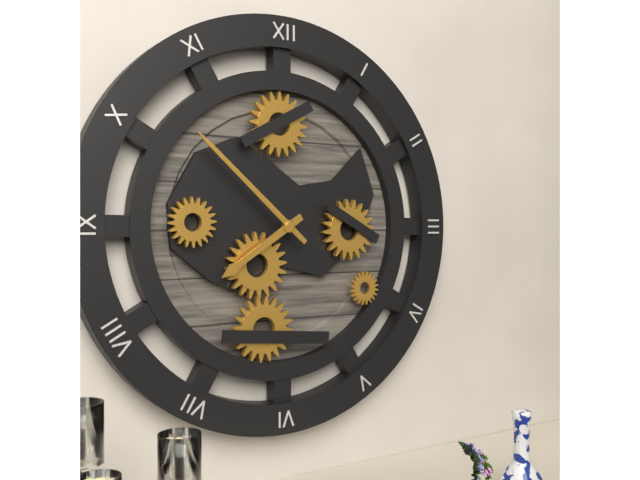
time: **7:52**
